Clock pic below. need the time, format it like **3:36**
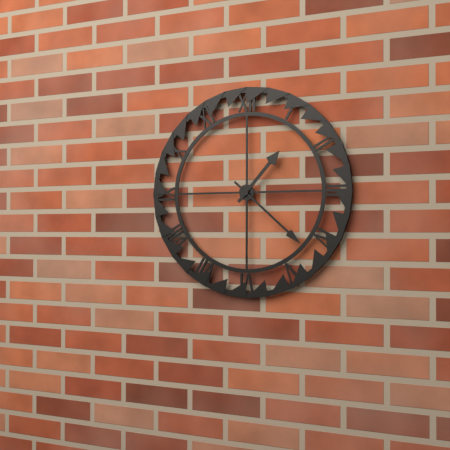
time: **1:22**
